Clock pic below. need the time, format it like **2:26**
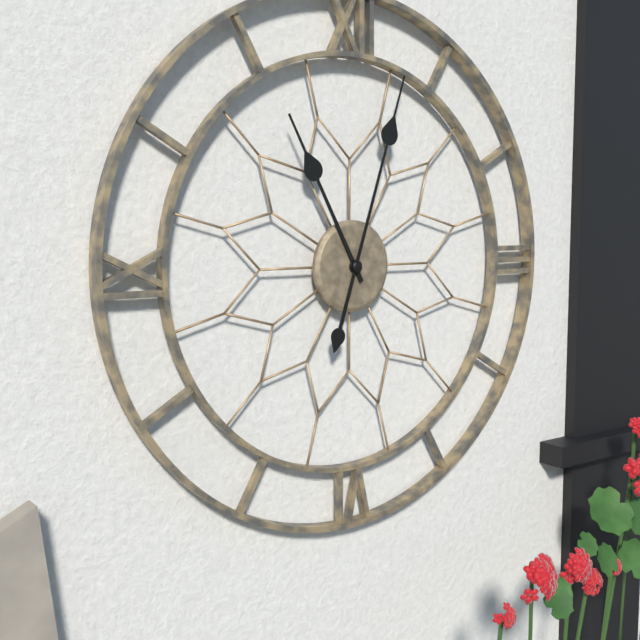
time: **11:03**
